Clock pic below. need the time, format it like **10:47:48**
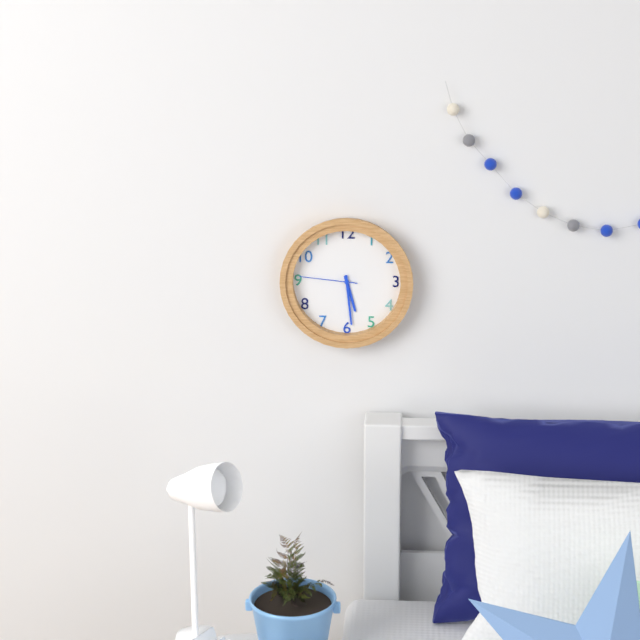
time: **5:29:46**
